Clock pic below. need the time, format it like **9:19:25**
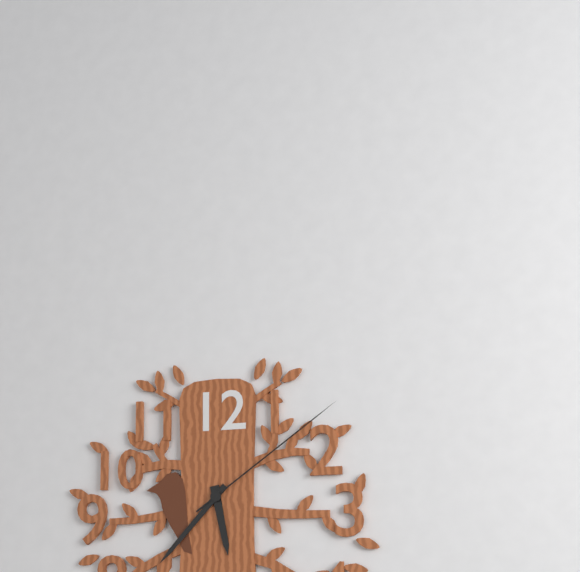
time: **5:37:09**
